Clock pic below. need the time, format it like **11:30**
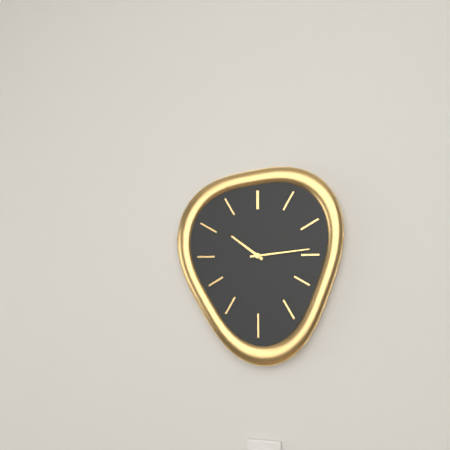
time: **10:14**
